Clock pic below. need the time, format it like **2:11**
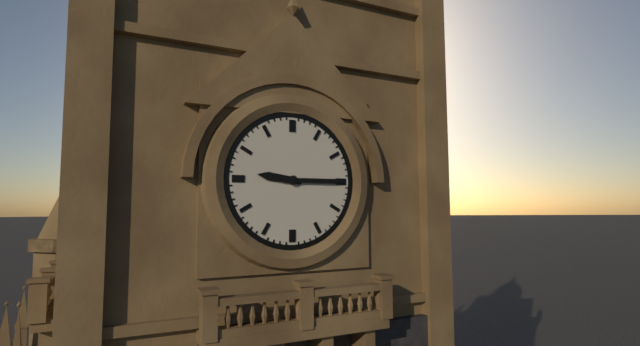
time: **9:15**
